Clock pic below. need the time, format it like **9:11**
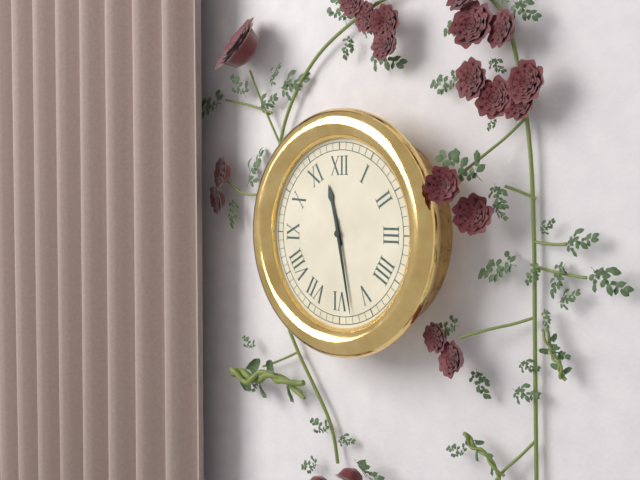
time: **11:28**
